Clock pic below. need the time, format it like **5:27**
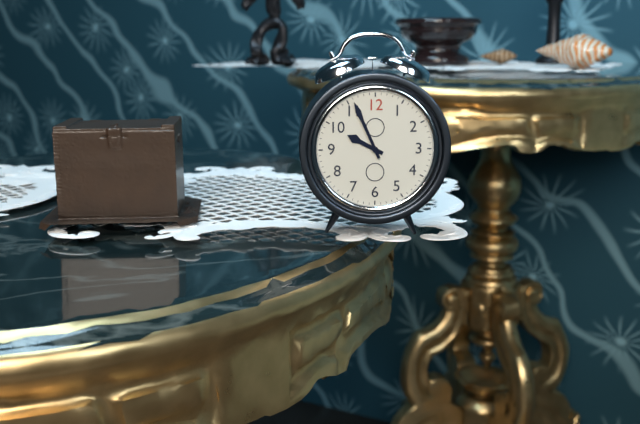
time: **9:56**
